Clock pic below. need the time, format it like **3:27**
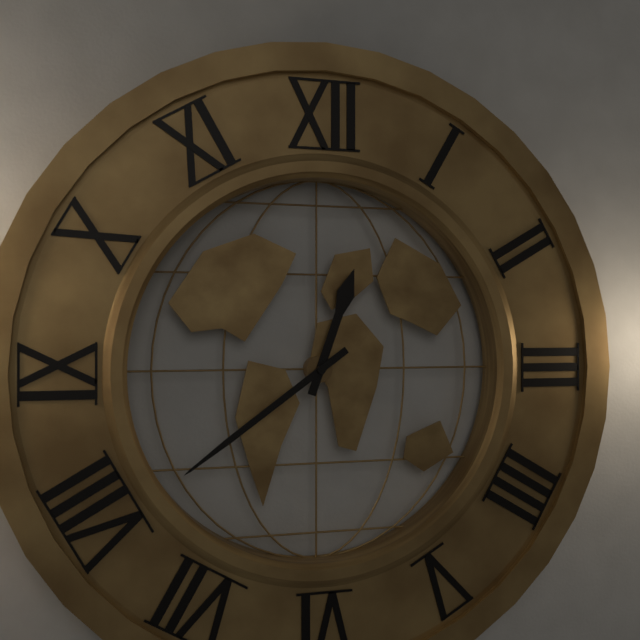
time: **12:39**
